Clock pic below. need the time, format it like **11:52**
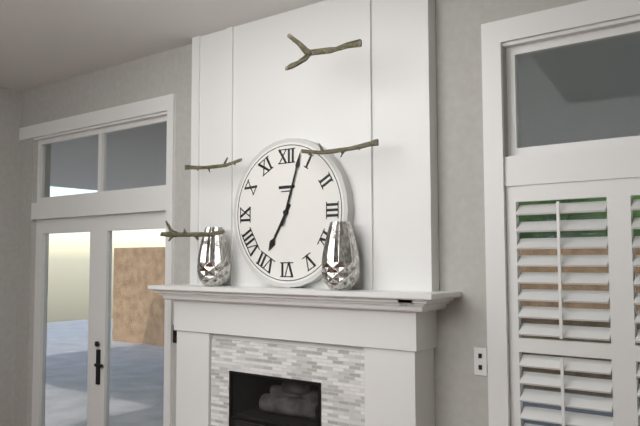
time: **7:03**
